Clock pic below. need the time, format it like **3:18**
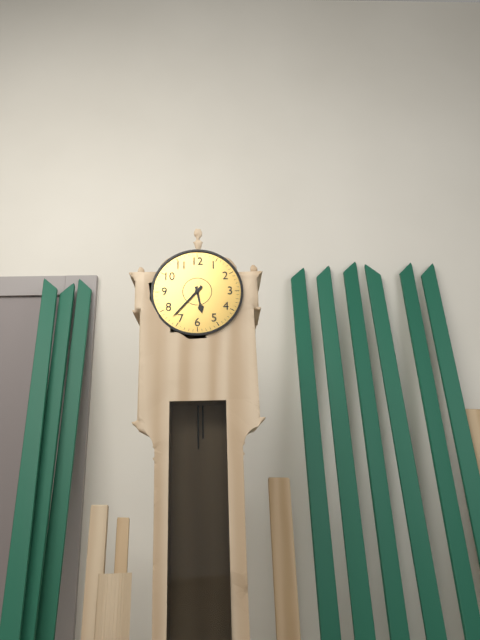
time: **5:37**
